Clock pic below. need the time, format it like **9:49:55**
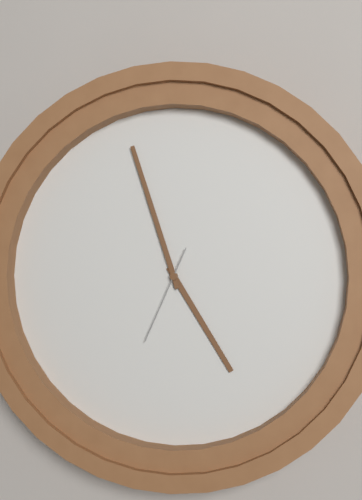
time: **4:57:34**
